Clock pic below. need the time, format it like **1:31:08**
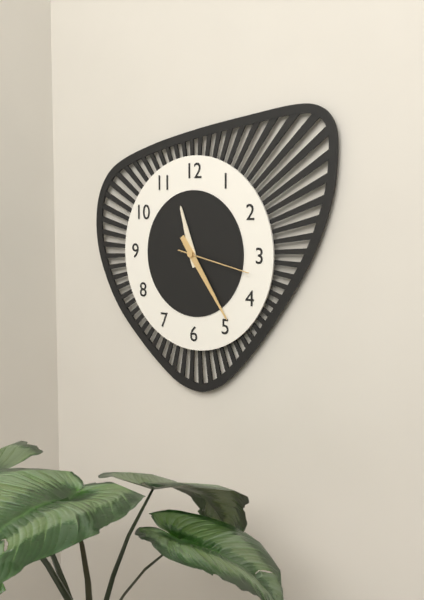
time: **11:24:17**
